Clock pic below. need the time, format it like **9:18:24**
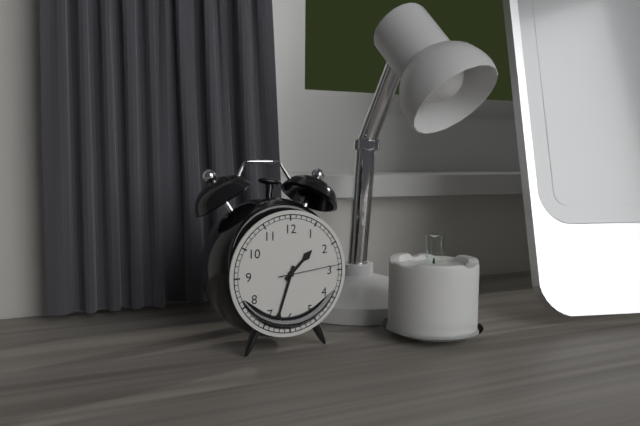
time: **1:33:14**
